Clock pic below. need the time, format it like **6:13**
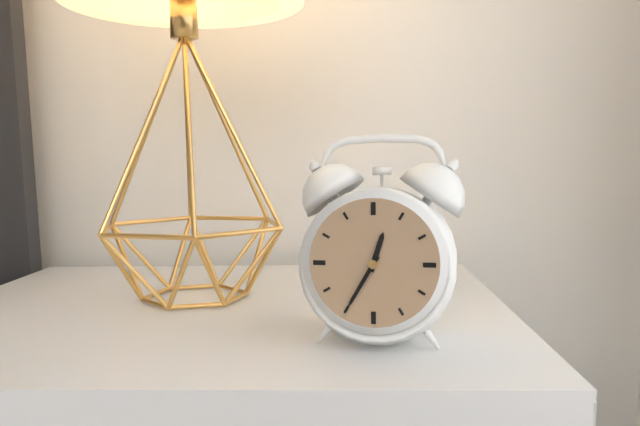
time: **12:35**
